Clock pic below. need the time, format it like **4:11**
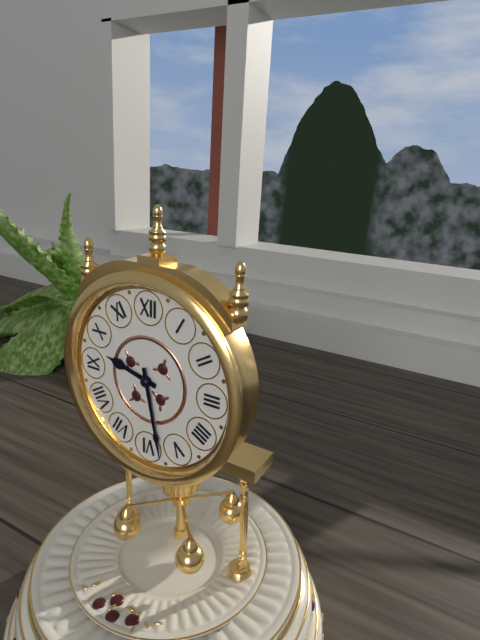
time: **9:28**
